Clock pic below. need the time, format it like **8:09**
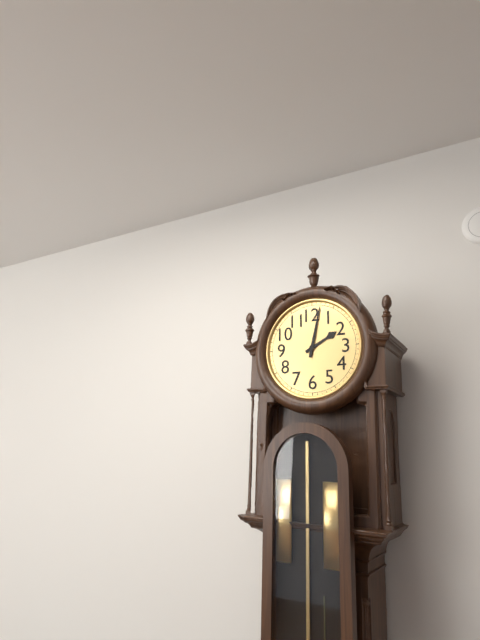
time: **2:02**
